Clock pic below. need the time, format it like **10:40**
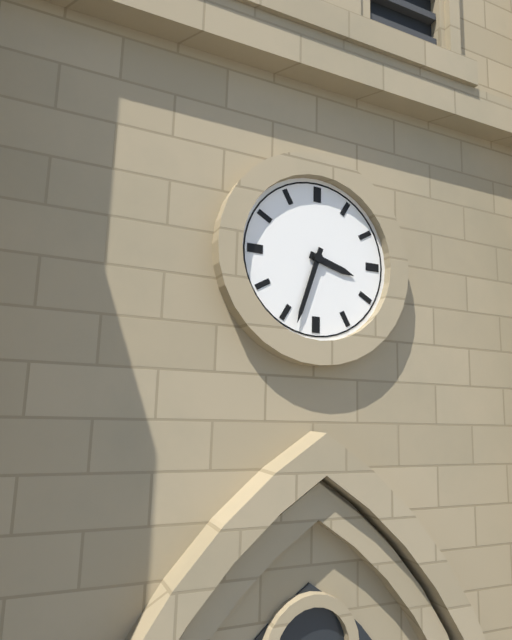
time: **3:33**
